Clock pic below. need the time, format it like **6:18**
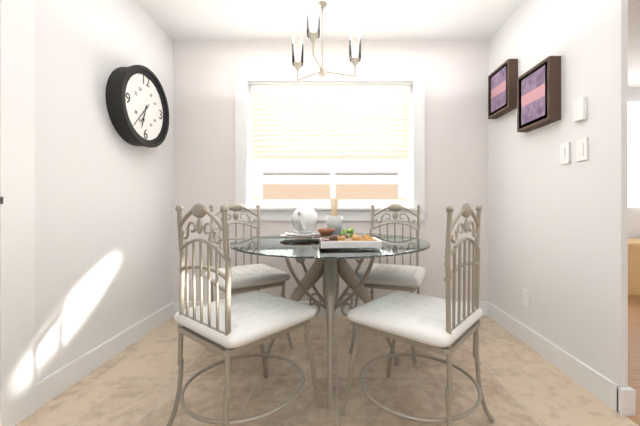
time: **6:37**
